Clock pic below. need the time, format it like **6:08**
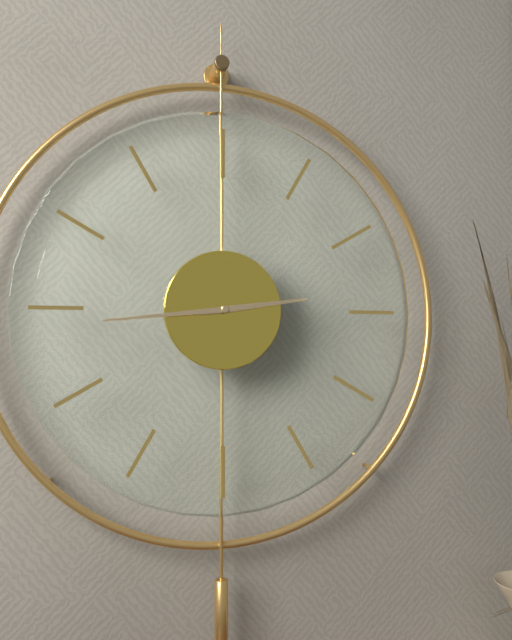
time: **2:44**
